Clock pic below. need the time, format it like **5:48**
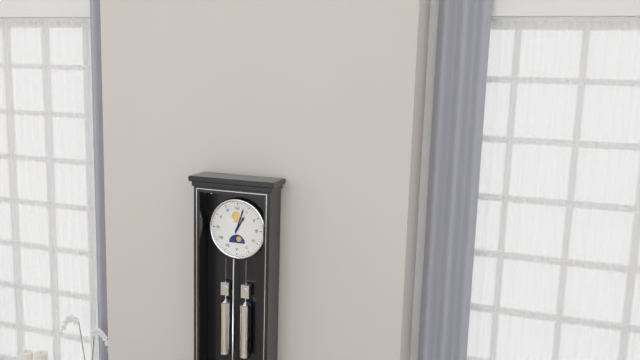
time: **1:03**
